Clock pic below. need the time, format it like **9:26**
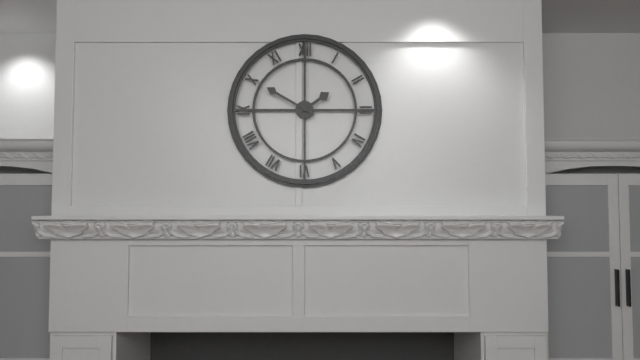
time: **1:50**
